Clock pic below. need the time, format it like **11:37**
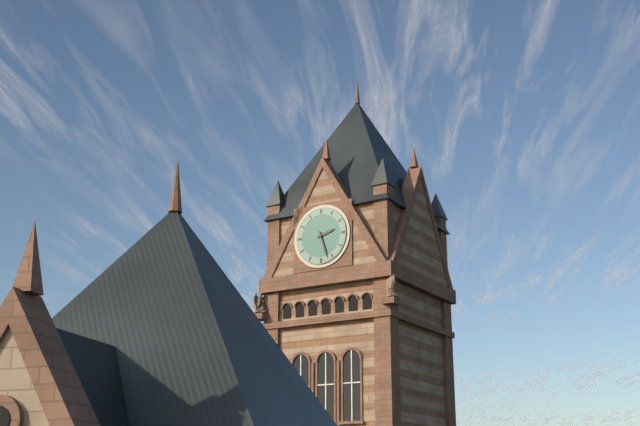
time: **2:27**
